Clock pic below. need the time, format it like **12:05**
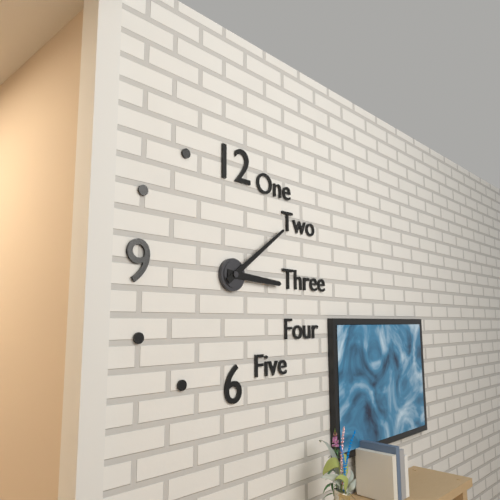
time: **3:09**
